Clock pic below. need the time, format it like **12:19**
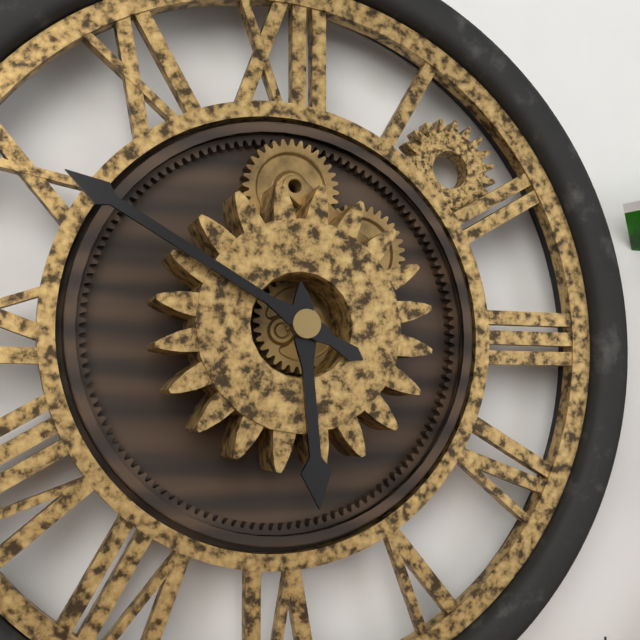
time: **5:50**
